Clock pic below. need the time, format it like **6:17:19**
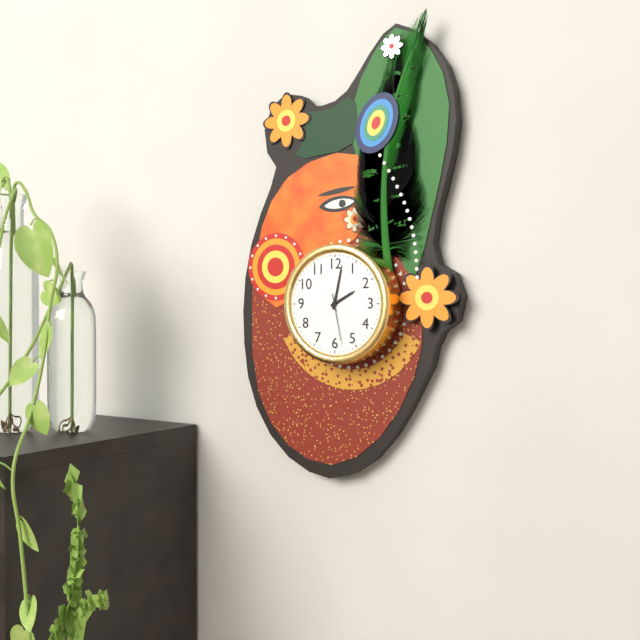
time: **2:02:28**
